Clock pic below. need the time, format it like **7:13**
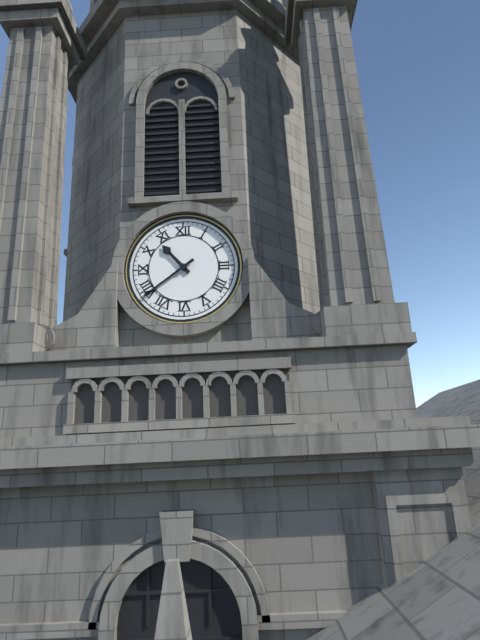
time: **10:39**
